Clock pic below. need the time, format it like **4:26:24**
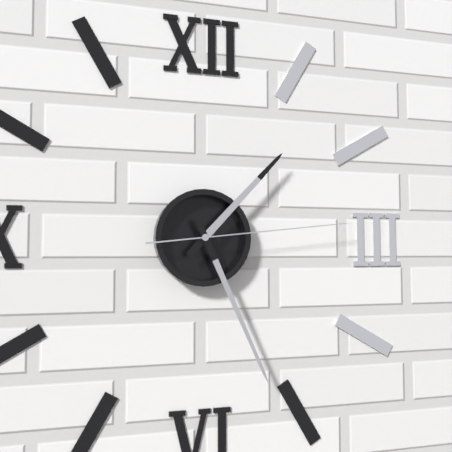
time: **1:26:14**
